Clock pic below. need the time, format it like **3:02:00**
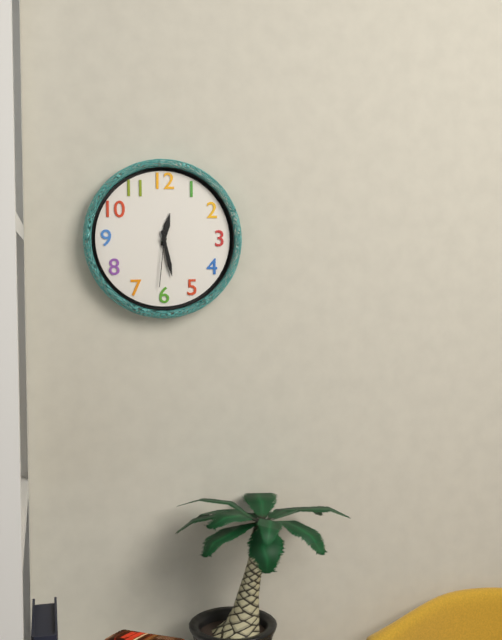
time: **12:28:31**
